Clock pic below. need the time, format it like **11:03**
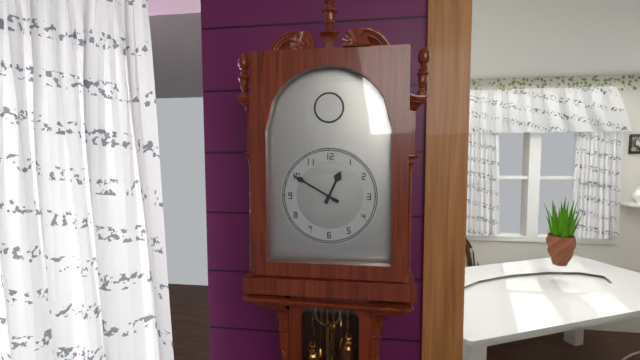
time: **12:50**
